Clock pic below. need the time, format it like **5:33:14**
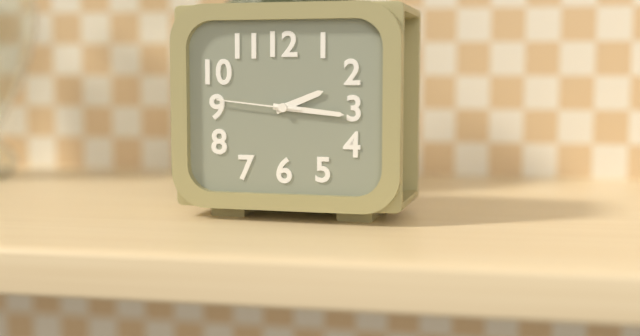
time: **2:16:46**
